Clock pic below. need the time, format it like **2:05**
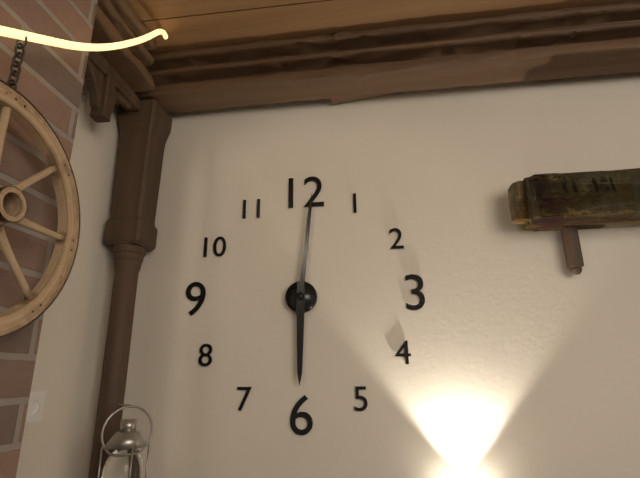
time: **6:01**
